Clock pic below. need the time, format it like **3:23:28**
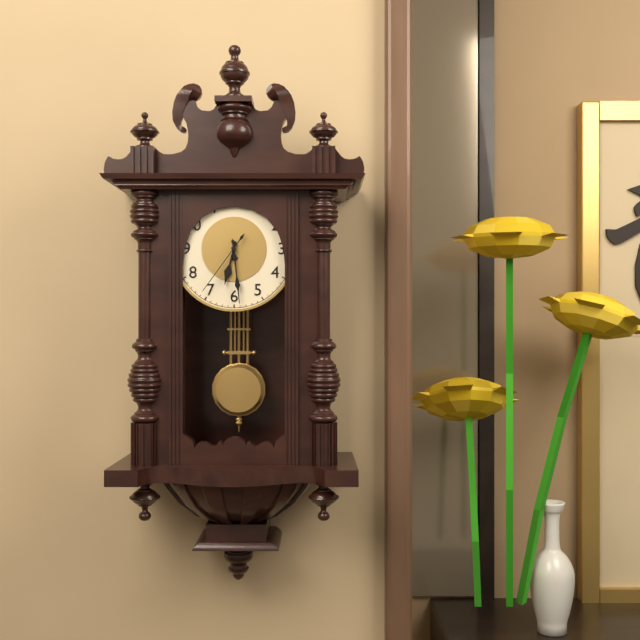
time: **6:29:36**
